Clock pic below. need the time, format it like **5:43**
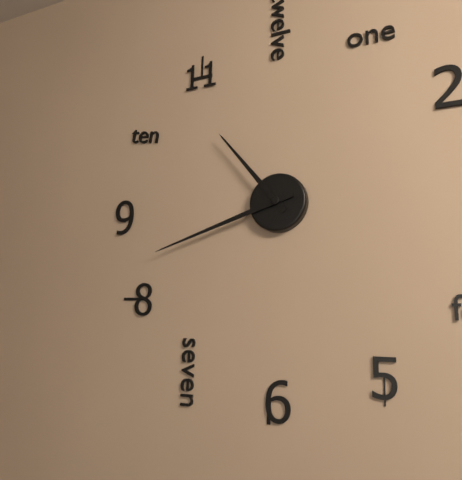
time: **10:42**
